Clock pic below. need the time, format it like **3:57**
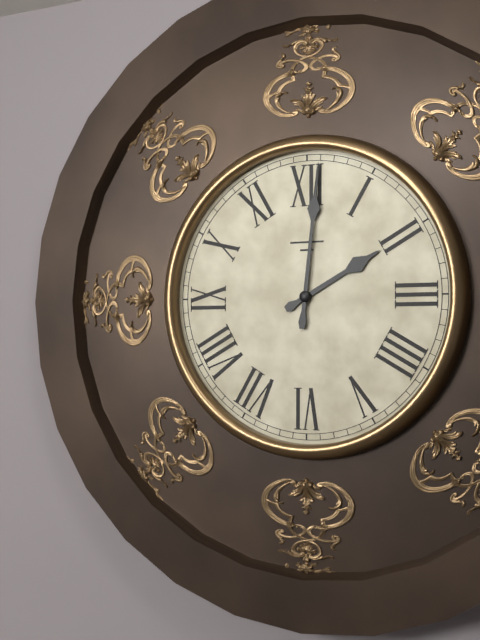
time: **2:01**
